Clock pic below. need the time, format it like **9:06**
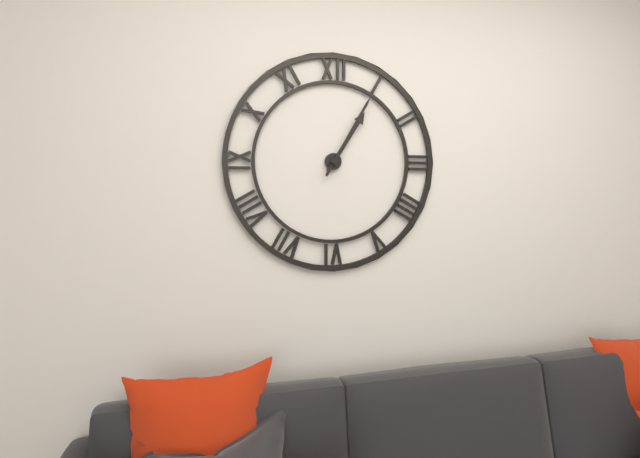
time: **1:05**
